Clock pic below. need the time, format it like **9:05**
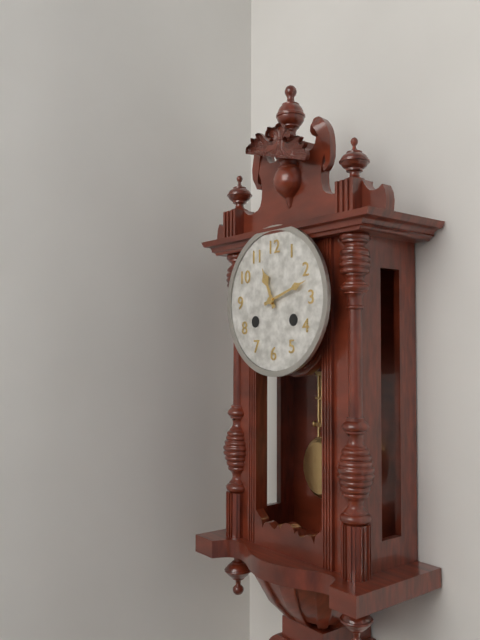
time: **11:12**
